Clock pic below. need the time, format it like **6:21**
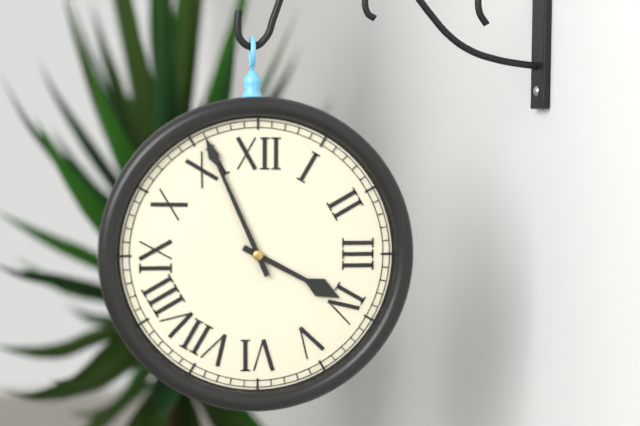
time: **3:56**
